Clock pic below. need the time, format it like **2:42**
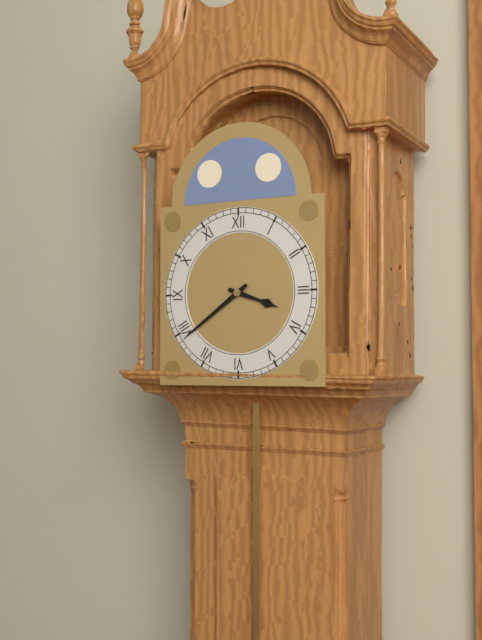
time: **3:39**
